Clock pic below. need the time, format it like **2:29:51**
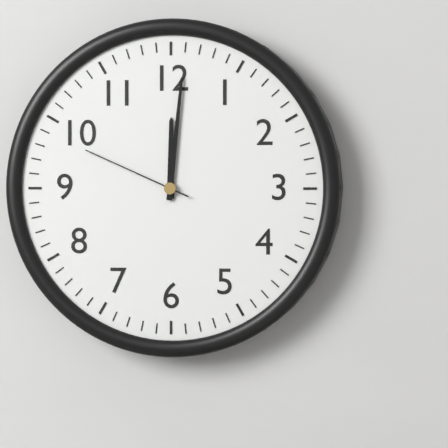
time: **12:01:49**
